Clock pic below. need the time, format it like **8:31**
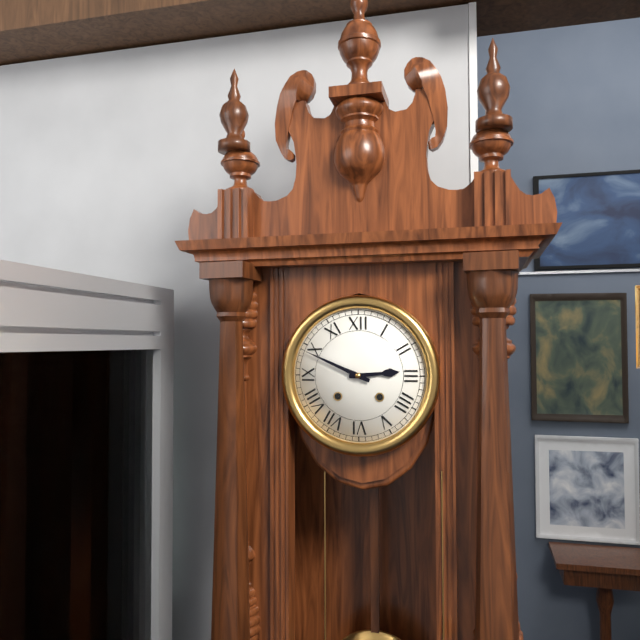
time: **2:49**
